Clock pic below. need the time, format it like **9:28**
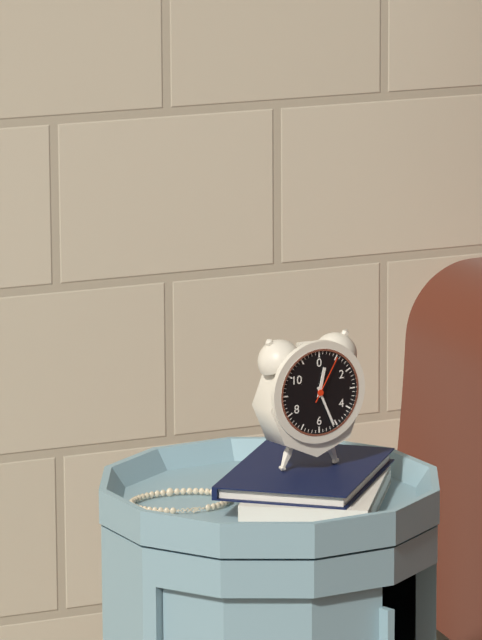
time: **12:26**
